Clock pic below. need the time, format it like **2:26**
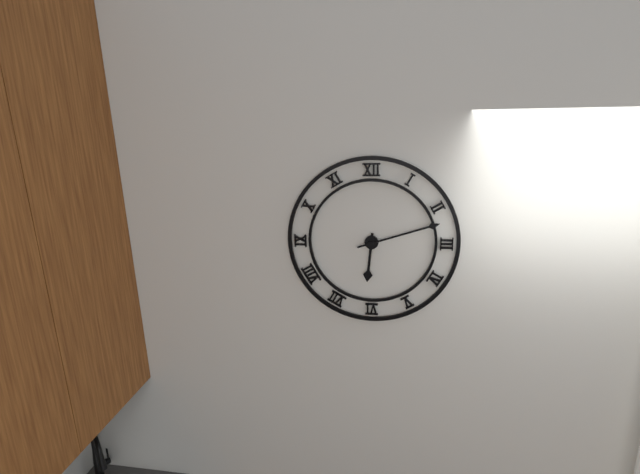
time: **6:12**
